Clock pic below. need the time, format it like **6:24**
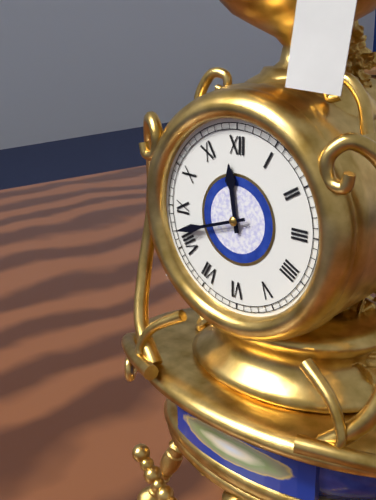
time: **11:42**
